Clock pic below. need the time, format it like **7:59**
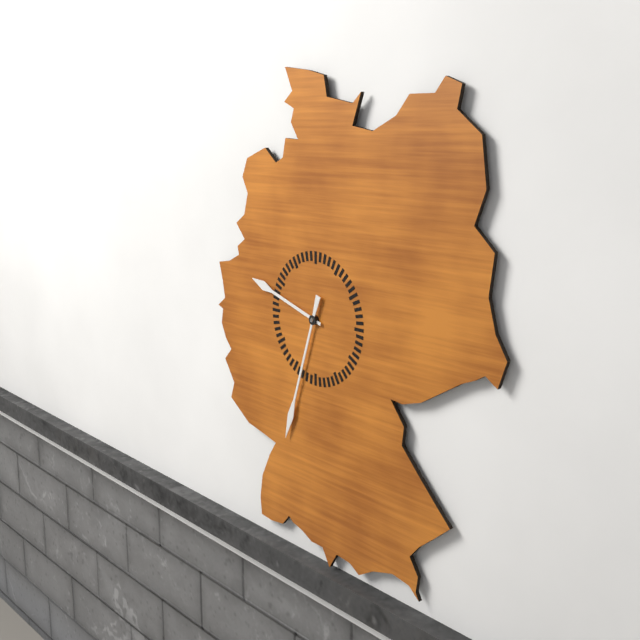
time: **9:33**
